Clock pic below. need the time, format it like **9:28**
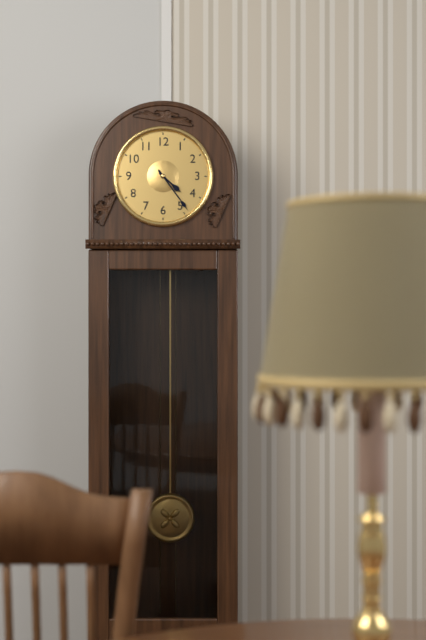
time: **4:24**
